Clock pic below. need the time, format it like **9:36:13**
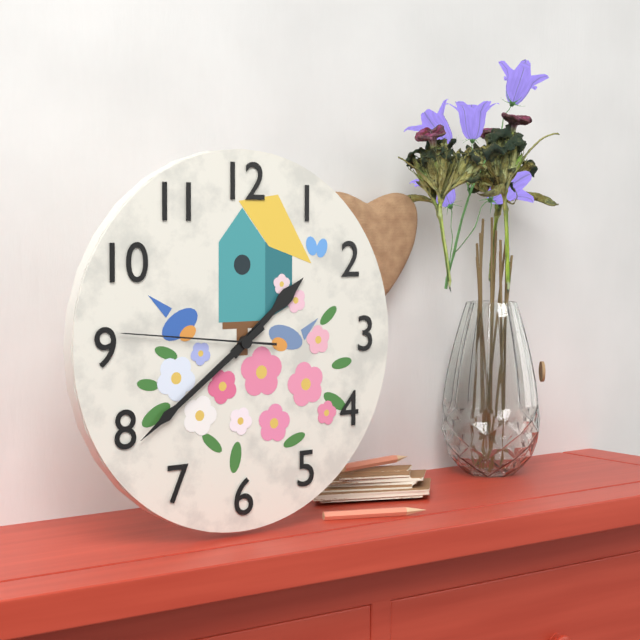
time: **1:39:46**
